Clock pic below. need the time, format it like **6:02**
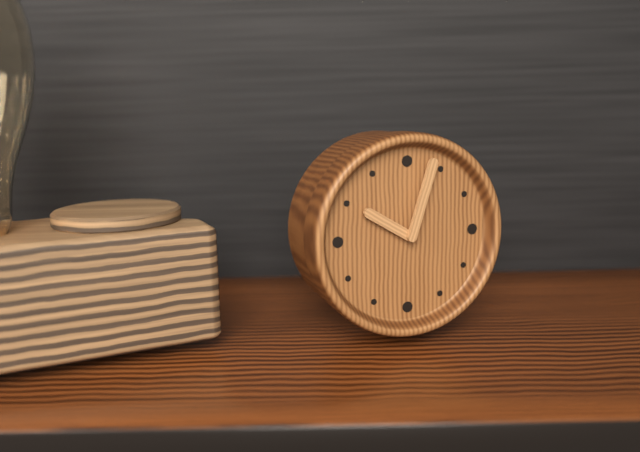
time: **10:03**
